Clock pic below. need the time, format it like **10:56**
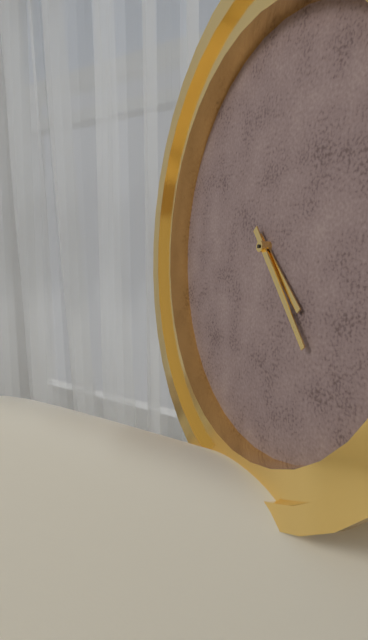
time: **4:23**
